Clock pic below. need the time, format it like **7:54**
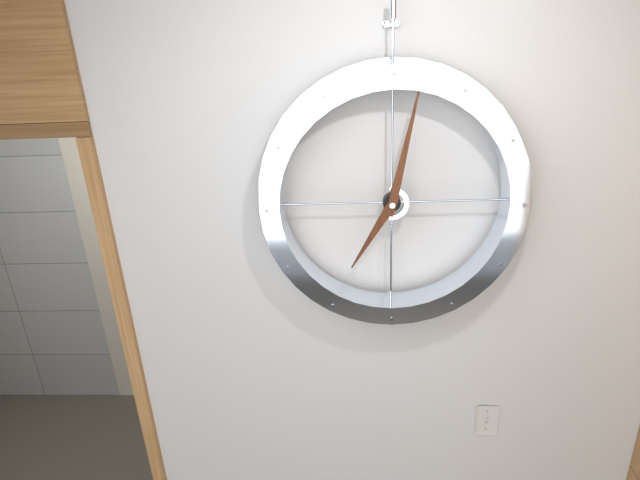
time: **7:02**
